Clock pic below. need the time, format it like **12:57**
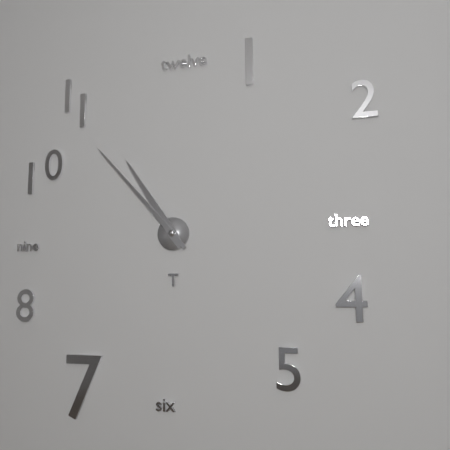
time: **10:53**
